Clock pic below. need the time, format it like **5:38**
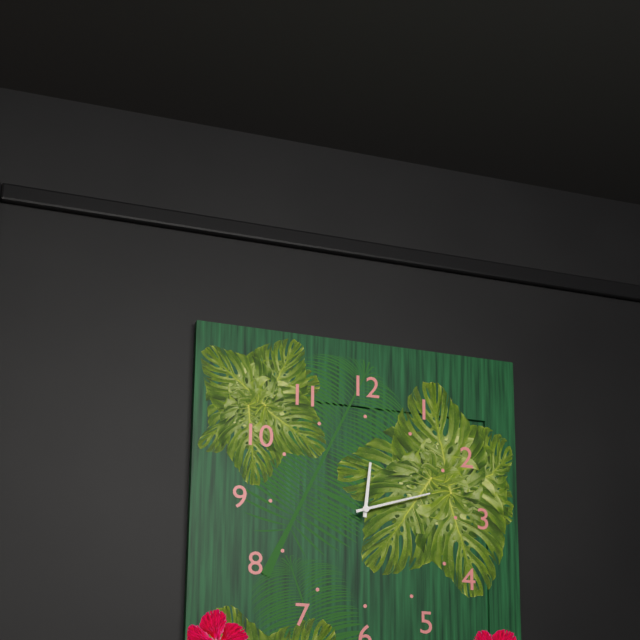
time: **12:12**
